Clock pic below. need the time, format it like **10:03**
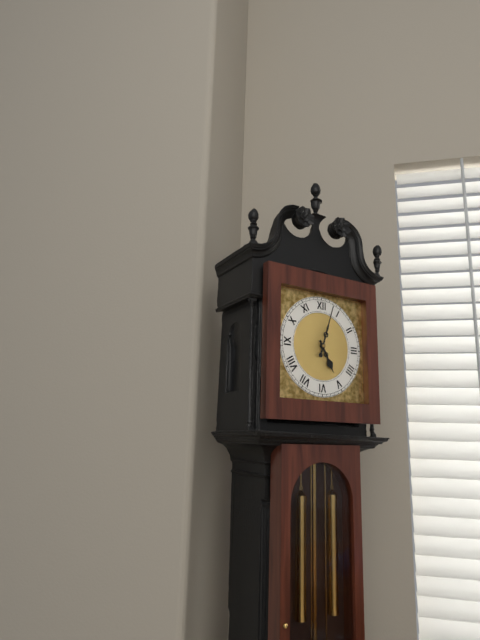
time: **5:03**
